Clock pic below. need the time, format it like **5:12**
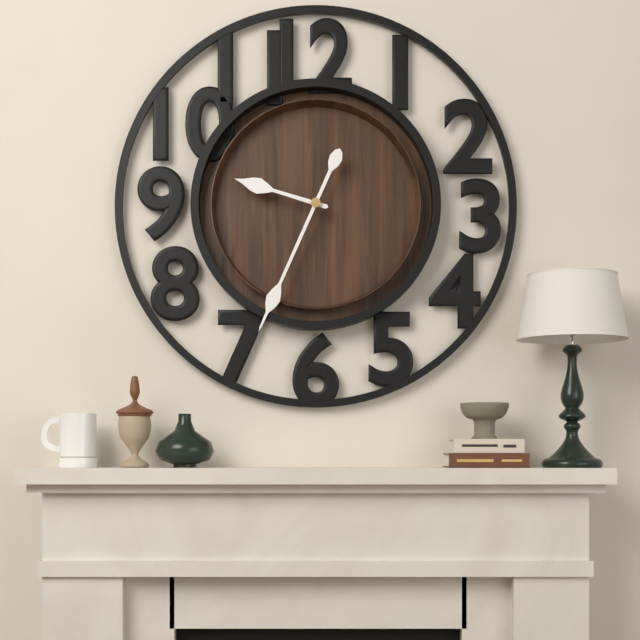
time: **9:34**
